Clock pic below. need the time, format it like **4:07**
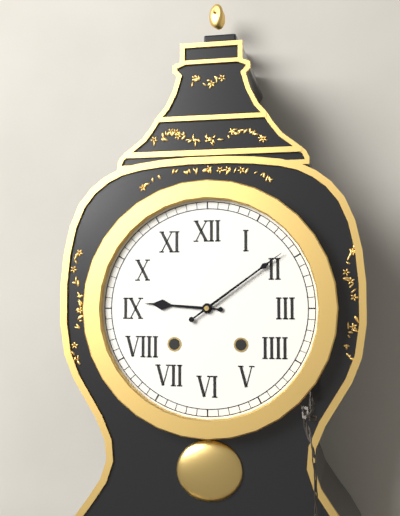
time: **9:09**
